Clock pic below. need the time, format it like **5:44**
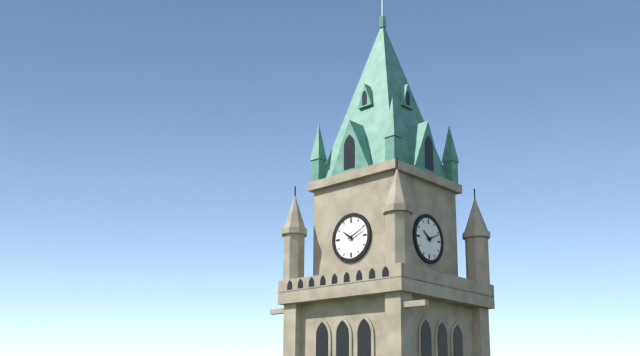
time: **10:11**
